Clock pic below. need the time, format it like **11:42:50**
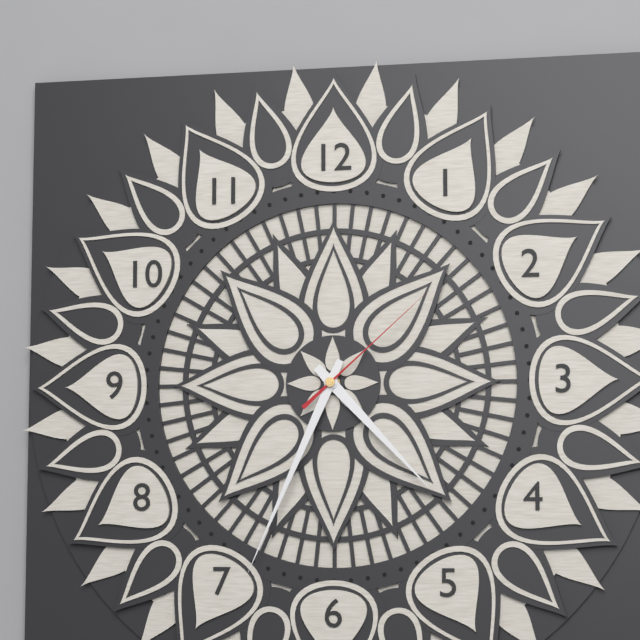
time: **4:34:08**
